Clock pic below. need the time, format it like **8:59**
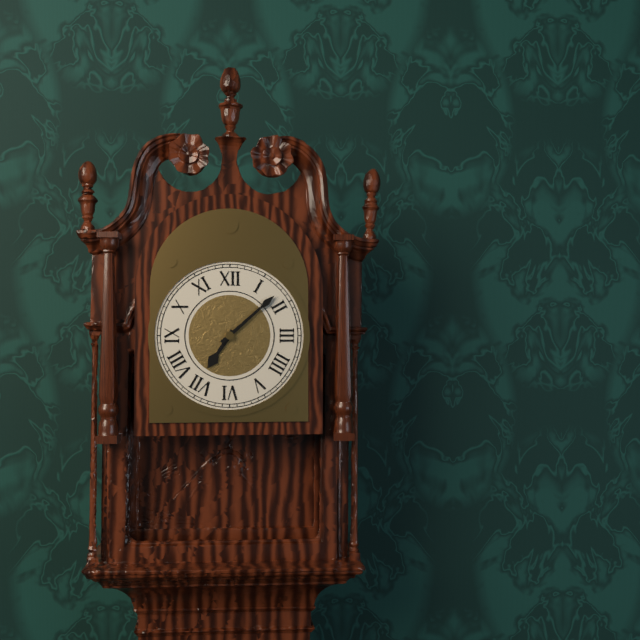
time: **7:08**
